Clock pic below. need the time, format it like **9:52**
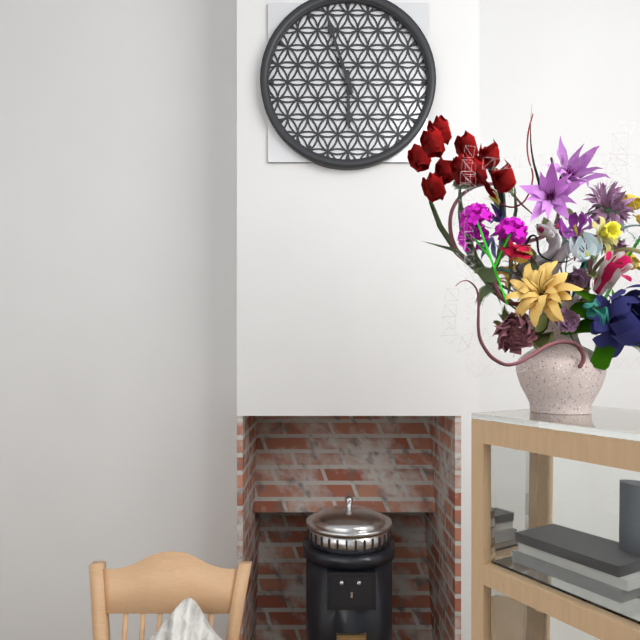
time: **5:57**
